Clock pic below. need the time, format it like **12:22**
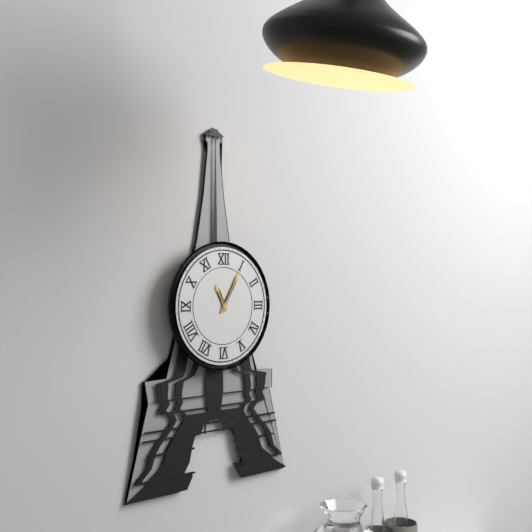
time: **11:05**
